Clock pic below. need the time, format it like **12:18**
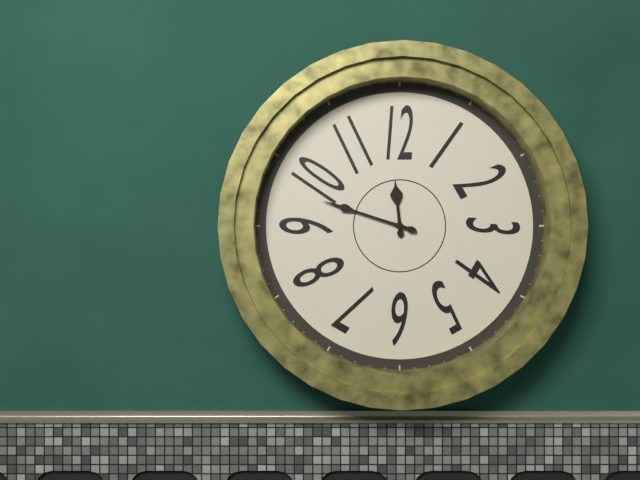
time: **11:48**
